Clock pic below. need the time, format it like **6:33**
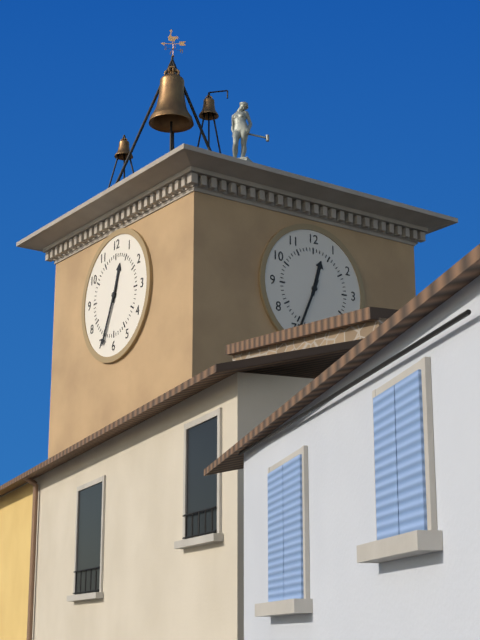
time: **12:34**
